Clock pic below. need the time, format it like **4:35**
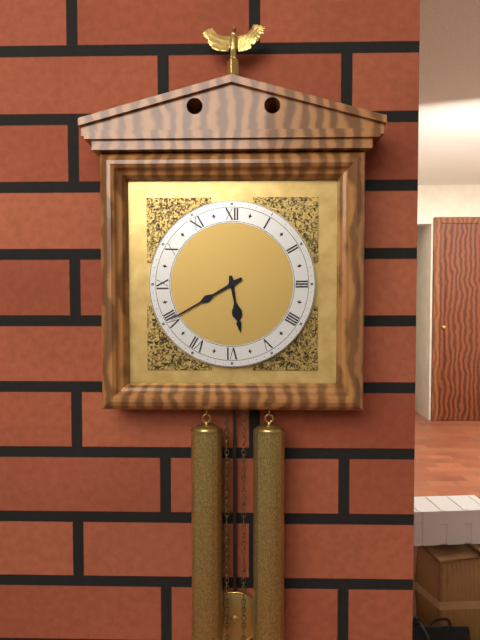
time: **5:40**
